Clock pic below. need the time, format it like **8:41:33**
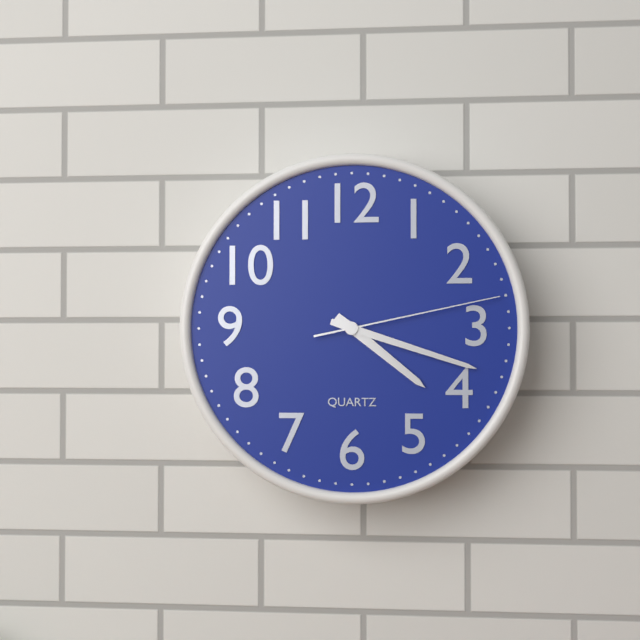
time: **4:18:13**
